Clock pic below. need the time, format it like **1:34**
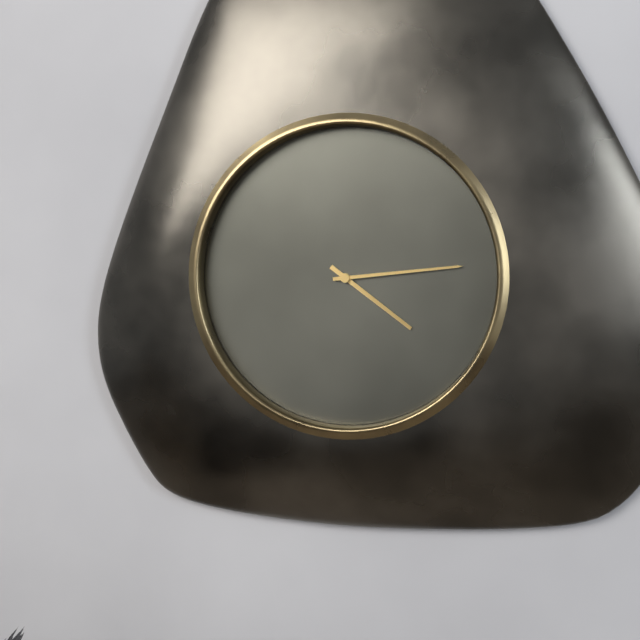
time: **4:14**
